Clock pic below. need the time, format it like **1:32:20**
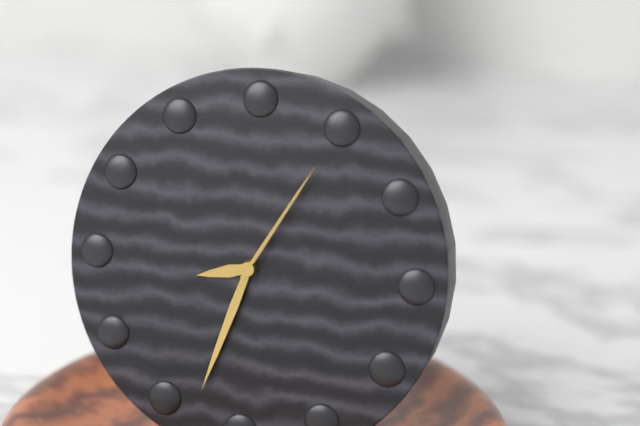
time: **8:33:05**
